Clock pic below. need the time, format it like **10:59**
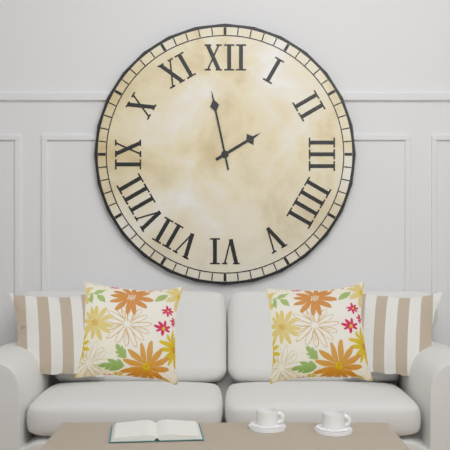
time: **1:58**
